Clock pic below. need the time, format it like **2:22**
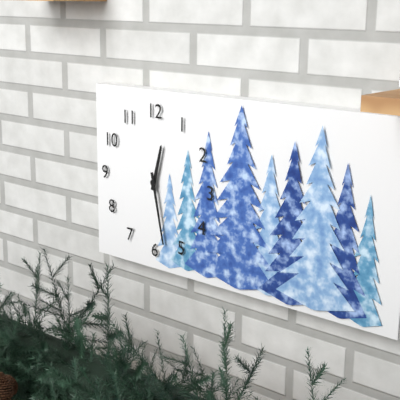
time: **12:28**
